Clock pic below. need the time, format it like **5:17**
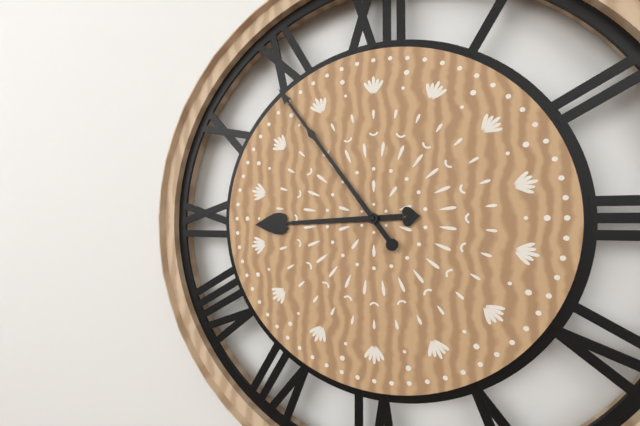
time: **8:54**
